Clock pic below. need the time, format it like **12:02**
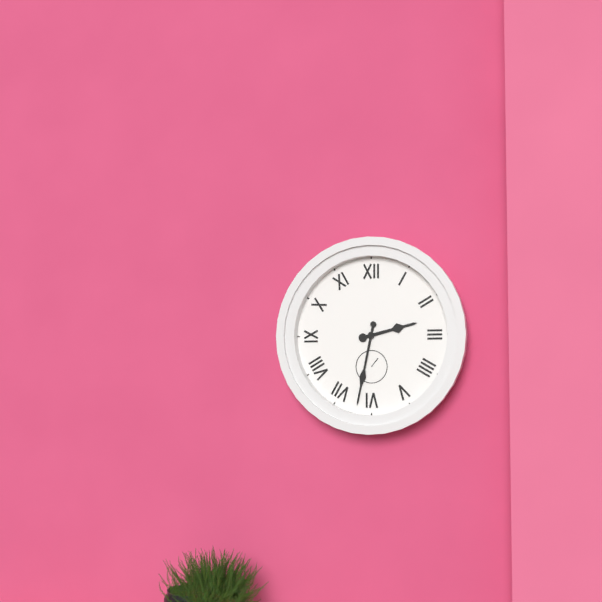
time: **2:32**
